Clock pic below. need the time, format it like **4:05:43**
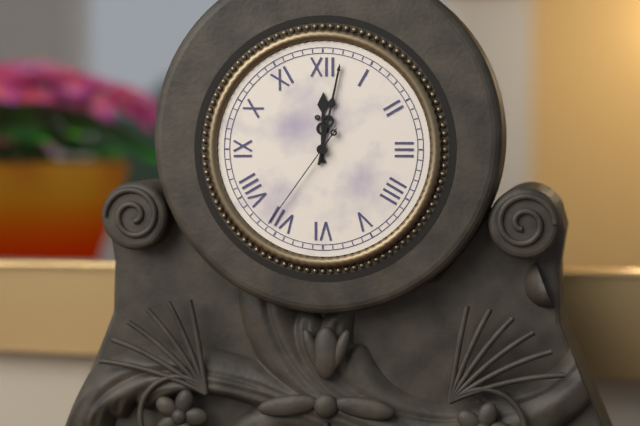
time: **12:02:36**
